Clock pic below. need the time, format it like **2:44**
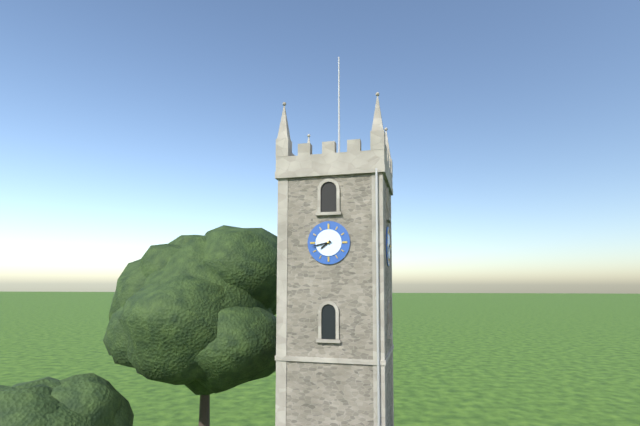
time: **7:43**
